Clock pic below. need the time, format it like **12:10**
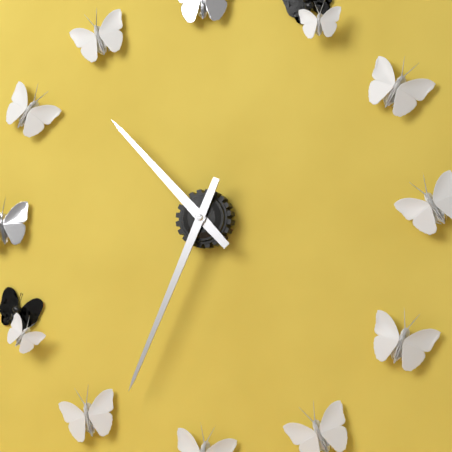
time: **10:34**
